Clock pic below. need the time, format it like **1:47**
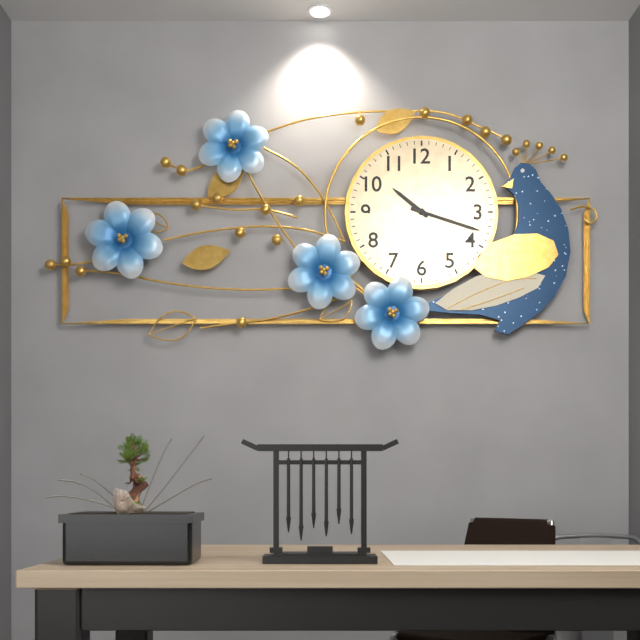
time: **10:18**
